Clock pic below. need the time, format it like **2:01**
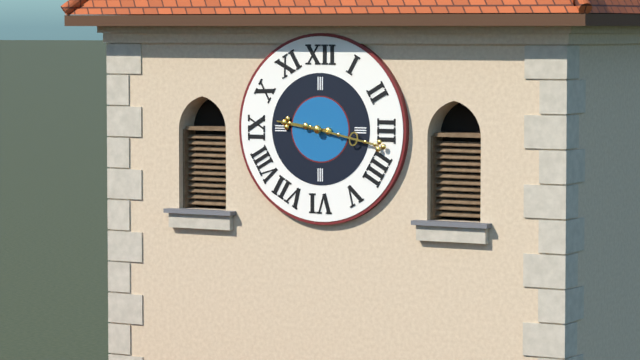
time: **9:17**
